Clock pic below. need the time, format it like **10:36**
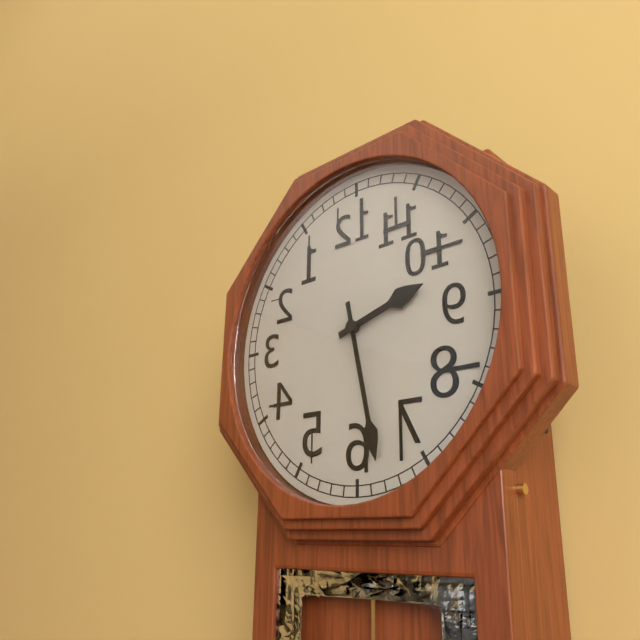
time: **2:28**
